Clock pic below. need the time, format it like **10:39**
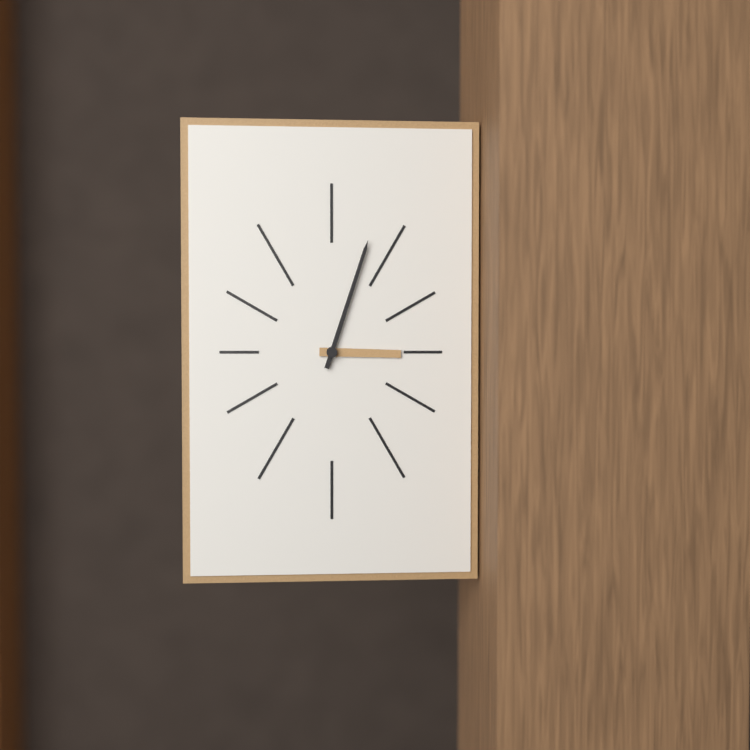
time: **3:03**
